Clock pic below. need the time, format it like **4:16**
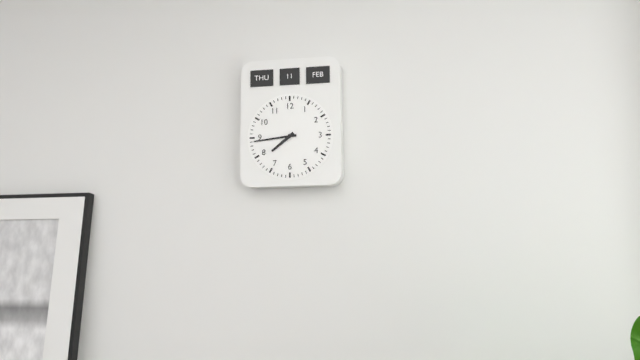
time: **7:44**
